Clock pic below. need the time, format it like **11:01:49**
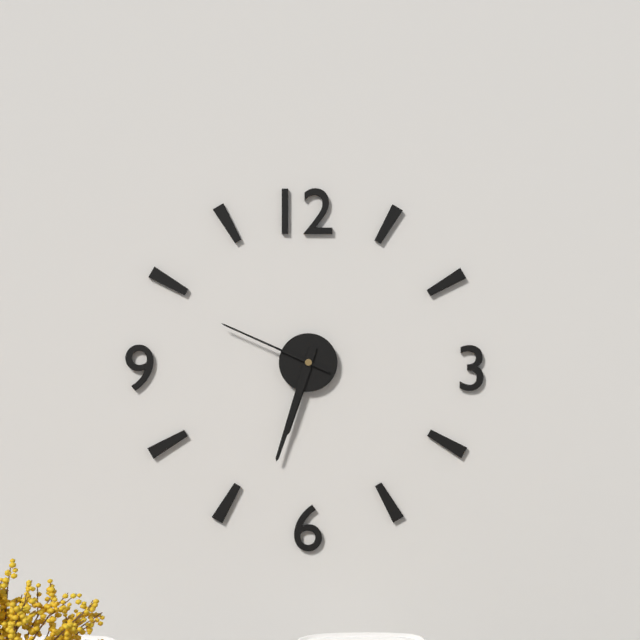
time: **6:33:49**
